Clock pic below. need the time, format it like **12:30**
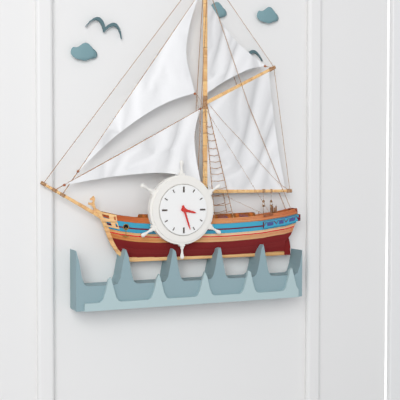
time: **3:27**
